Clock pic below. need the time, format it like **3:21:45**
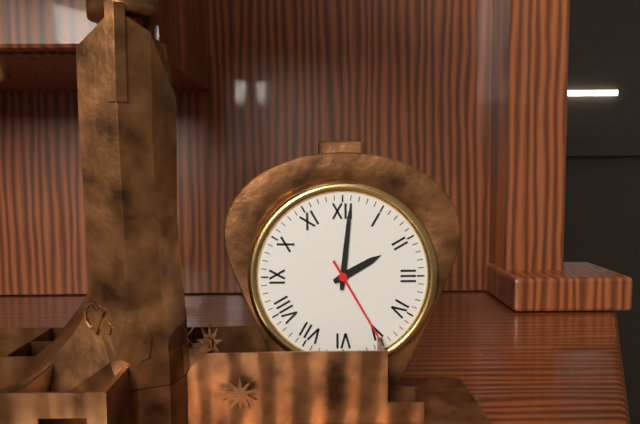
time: **2:01:25**
